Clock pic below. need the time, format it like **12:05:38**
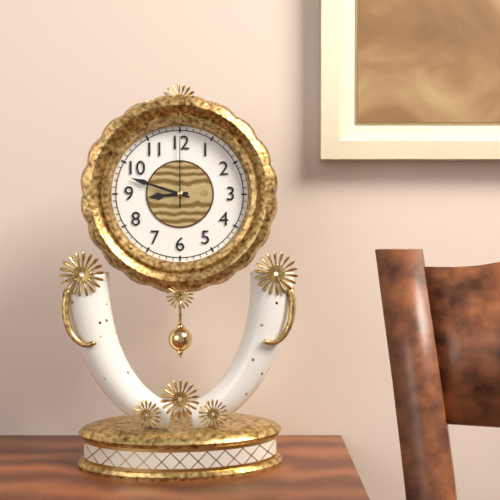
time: **8:48:00**
